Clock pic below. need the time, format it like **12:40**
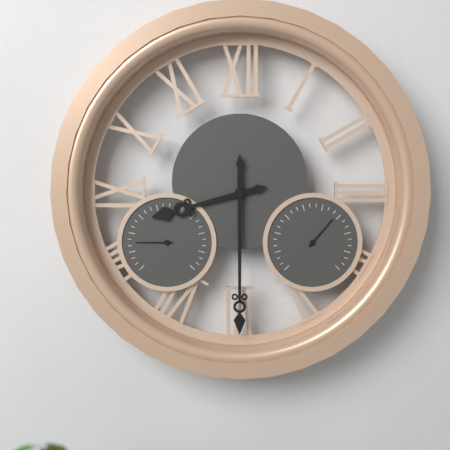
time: **8:30**
